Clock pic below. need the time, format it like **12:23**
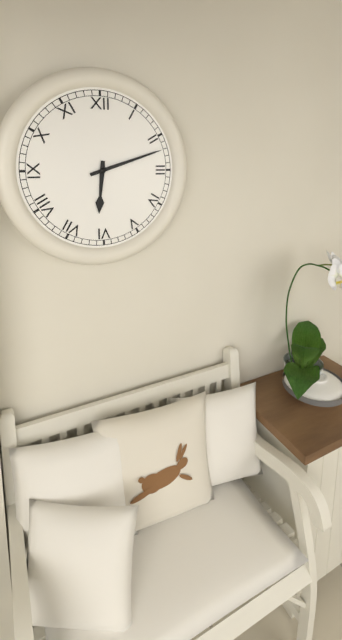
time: **6:12**
